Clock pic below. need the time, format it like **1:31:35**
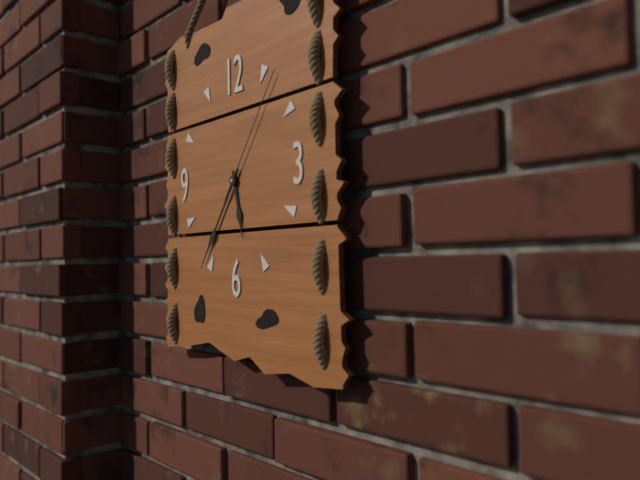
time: **5:36:06**
